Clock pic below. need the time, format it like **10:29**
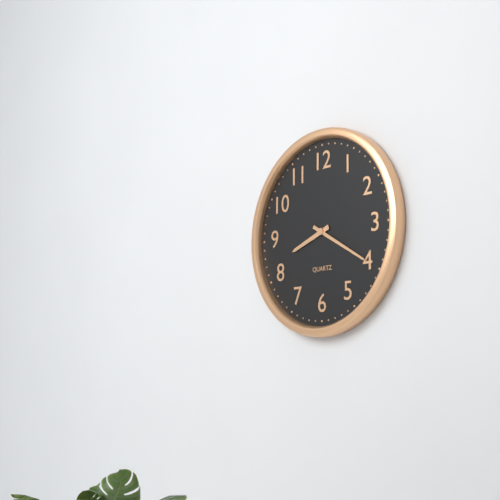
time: **8:20**
